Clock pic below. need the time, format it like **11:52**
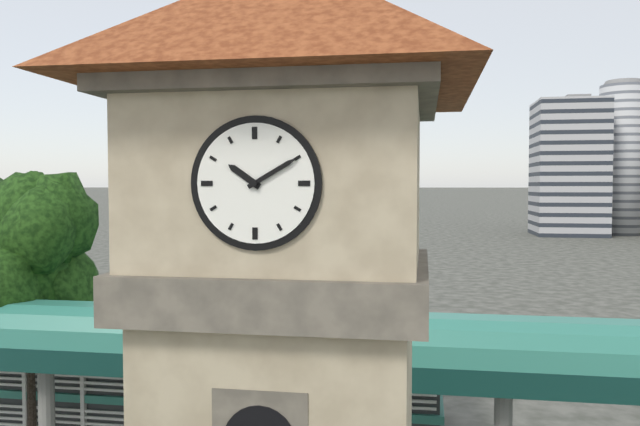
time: **10:10**
